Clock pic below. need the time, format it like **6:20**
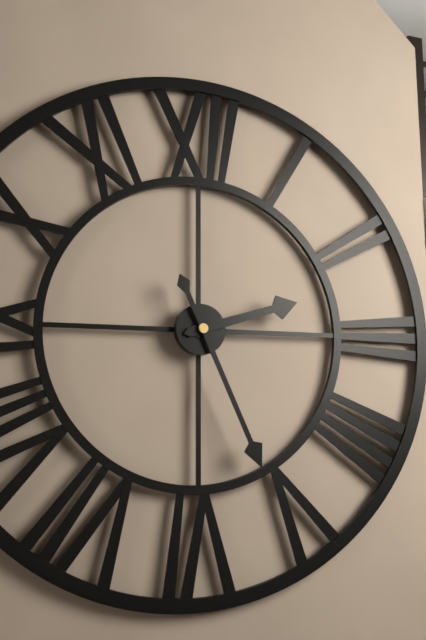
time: **2:26**
